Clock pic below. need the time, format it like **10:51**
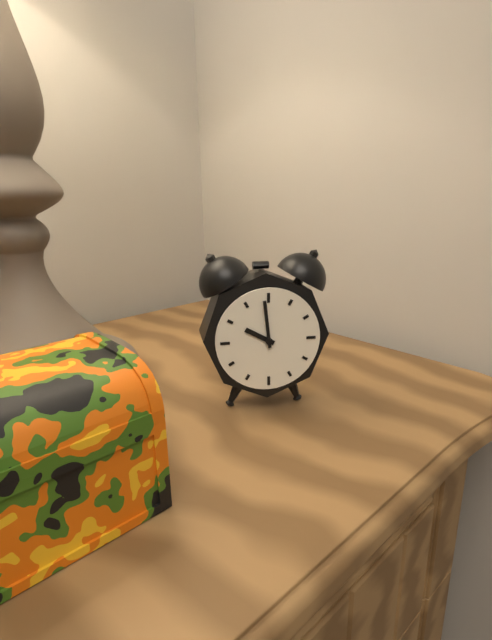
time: **9:59**
